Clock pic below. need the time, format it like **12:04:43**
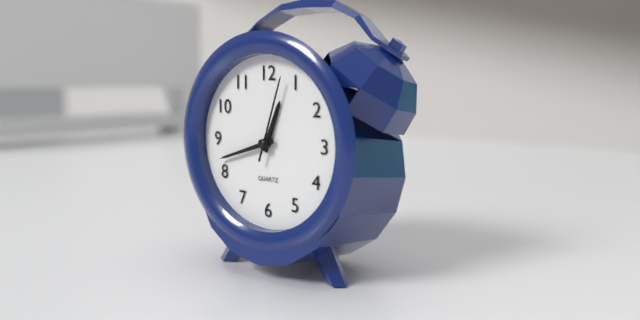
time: **12:42:03**
